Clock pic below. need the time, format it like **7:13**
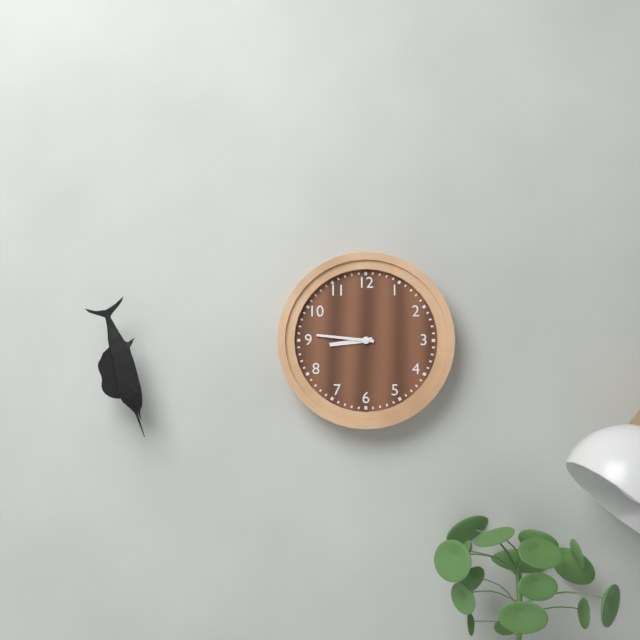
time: **8:46**
